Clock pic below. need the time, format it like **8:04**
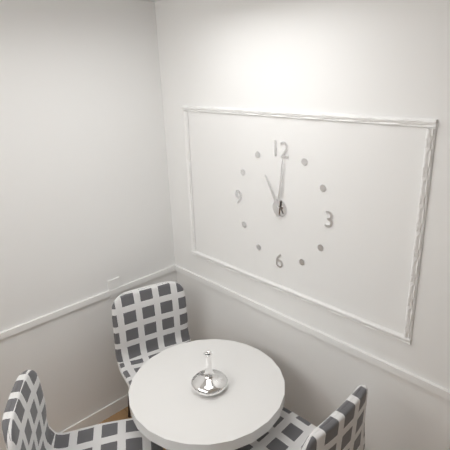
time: **11:01**
